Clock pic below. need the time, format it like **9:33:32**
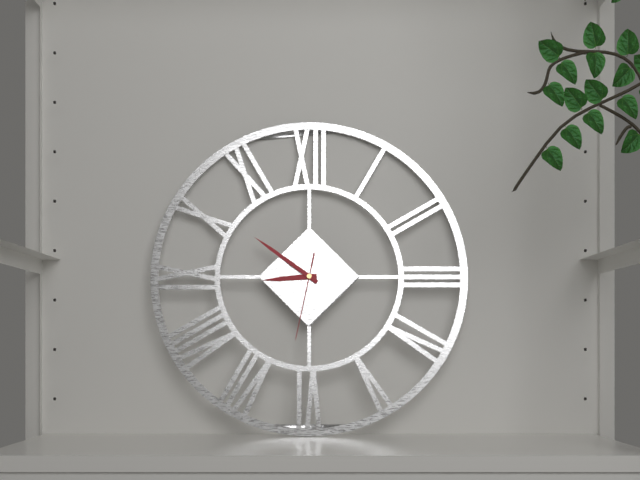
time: **8:51:32**
